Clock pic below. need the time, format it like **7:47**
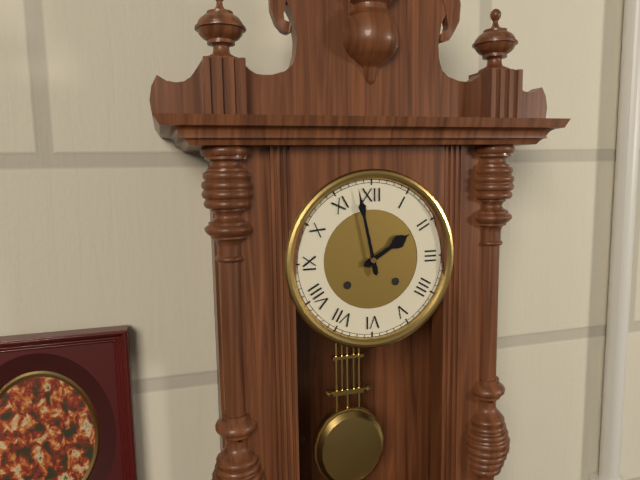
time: **1:58**
